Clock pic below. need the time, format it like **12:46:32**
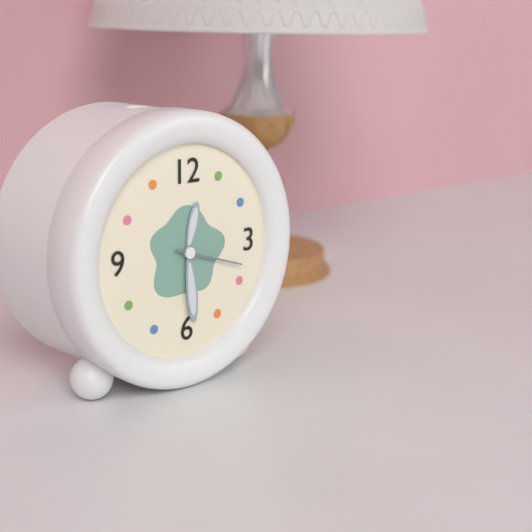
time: **12:29:18**
